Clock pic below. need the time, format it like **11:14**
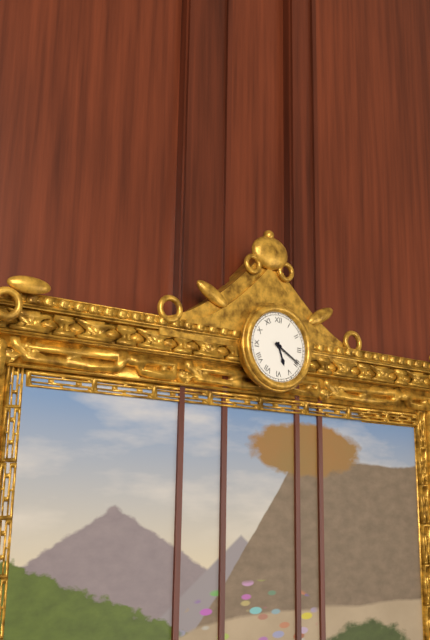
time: **5:20**
